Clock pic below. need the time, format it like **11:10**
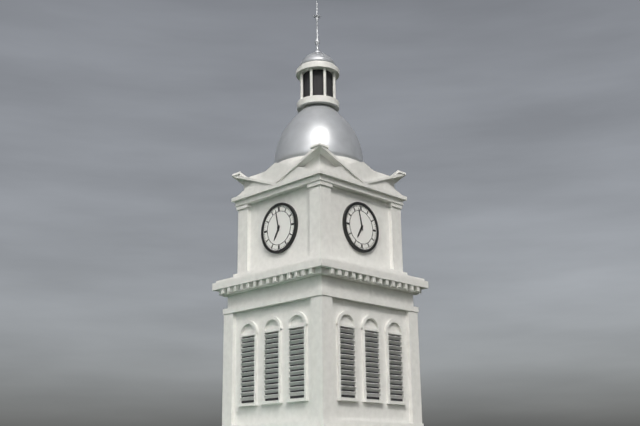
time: **6:58**
